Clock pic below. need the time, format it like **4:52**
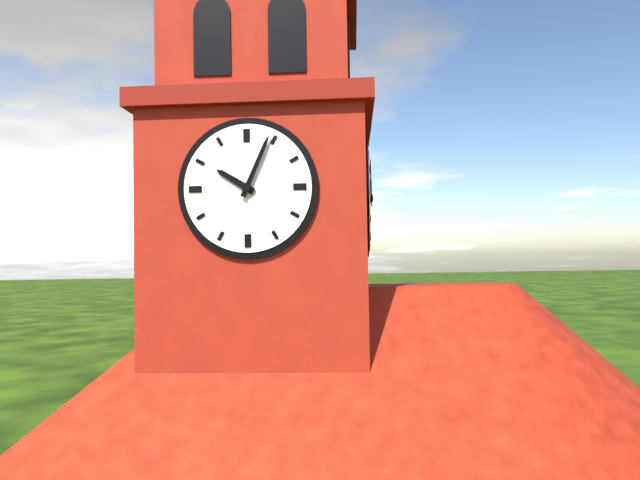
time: **10:04**
